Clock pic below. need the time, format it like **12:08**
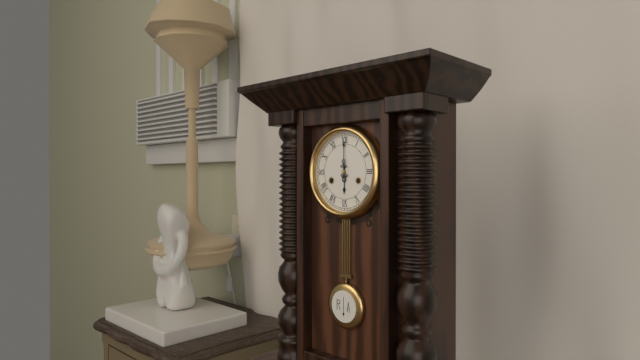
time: **6:00**
